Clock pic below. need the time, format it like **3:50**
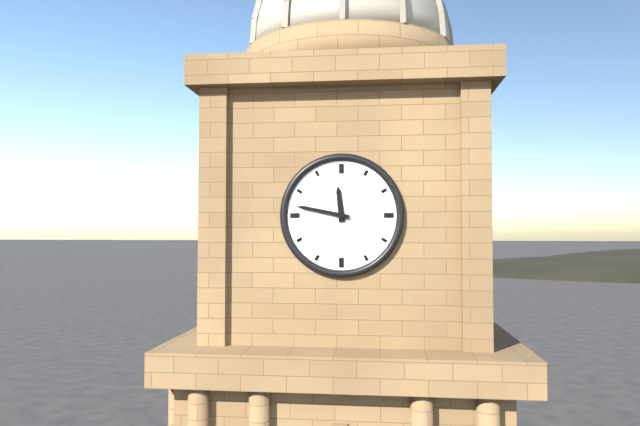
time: **11:47**
